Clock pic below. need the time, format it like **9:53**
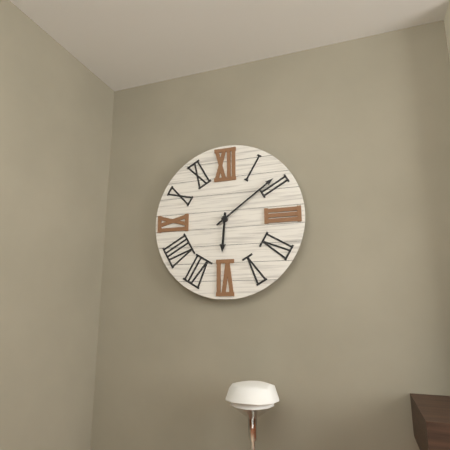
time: **6:09**
